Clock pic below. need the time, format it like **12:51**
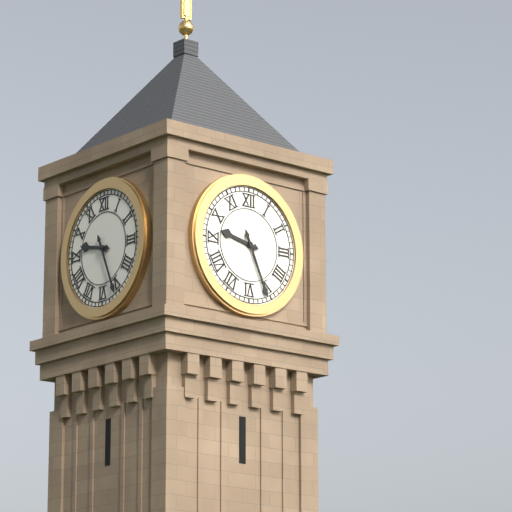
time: **9:26**
